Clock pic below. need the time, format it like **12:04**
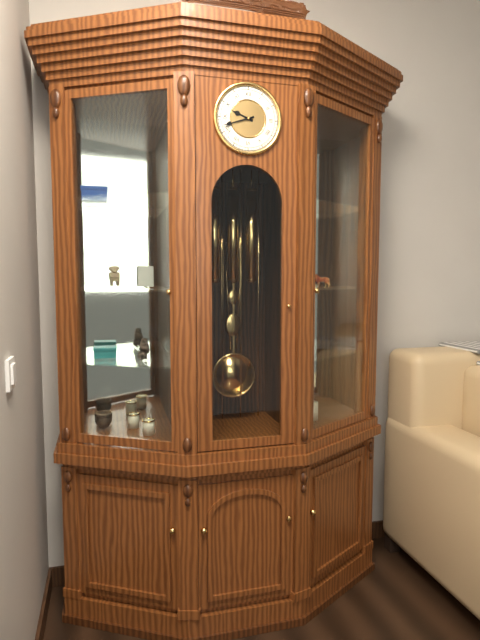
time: **9:42**
